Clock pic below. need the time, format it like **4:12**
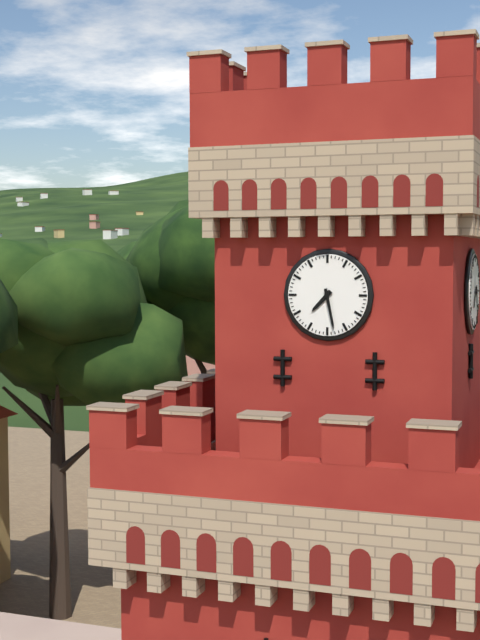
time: **7:28**
